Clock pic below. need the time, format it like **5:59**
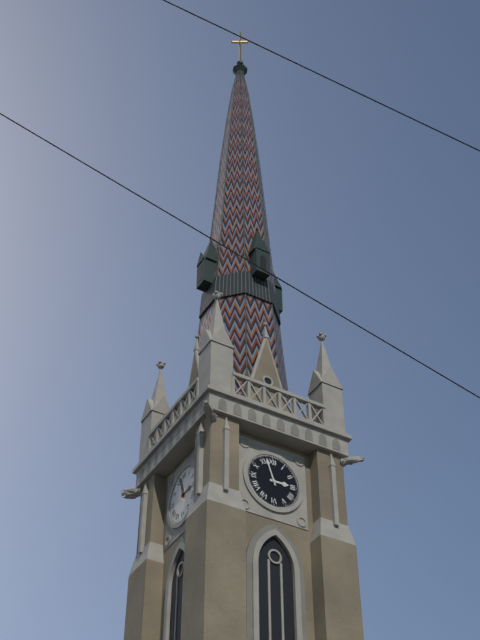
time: **2:57**
